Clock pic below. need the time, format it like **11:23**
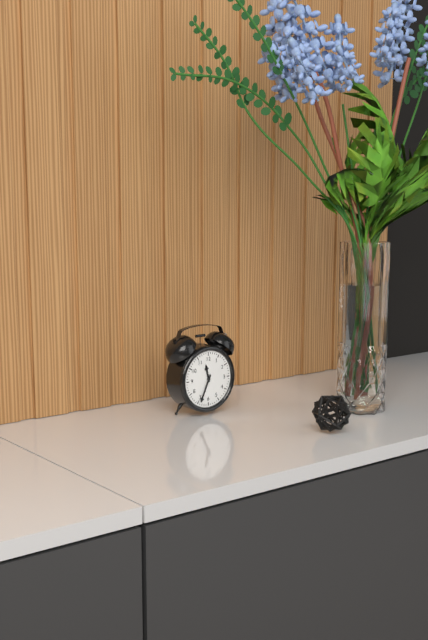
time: **11:34**
